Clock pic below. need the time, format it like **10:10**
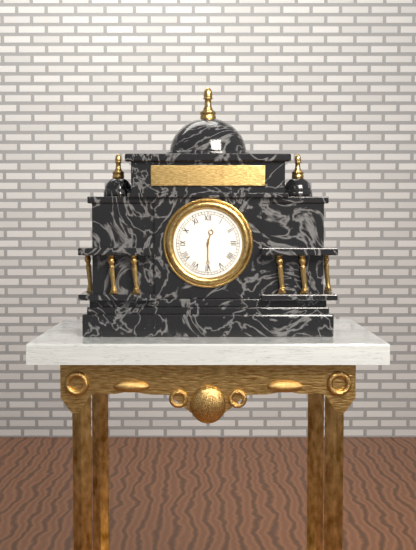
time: **12:30**
